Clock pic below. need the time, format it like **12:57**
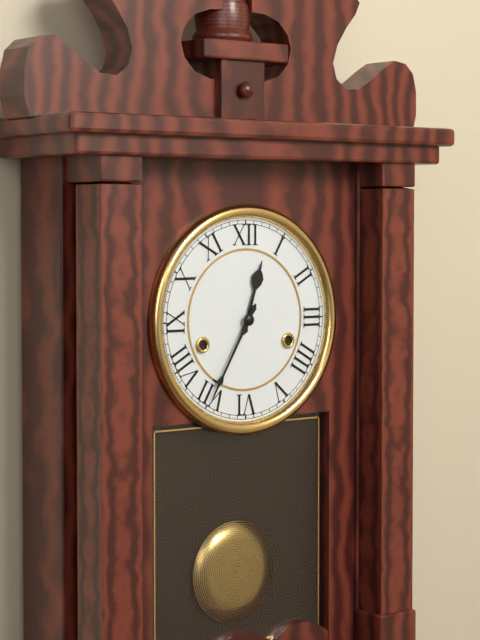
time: **12:35**
